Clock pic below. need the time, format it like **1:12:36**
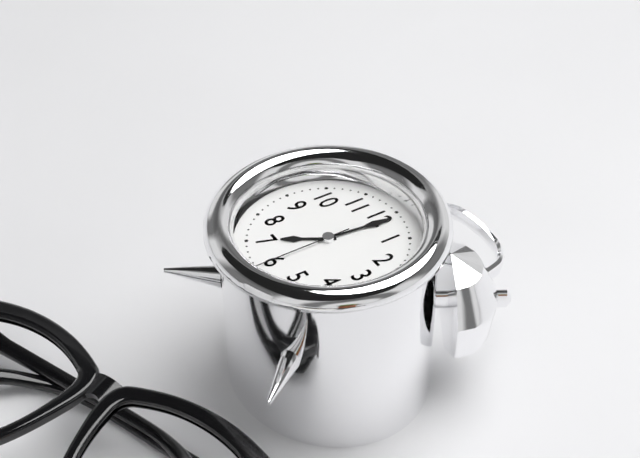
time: **7:01:30**
